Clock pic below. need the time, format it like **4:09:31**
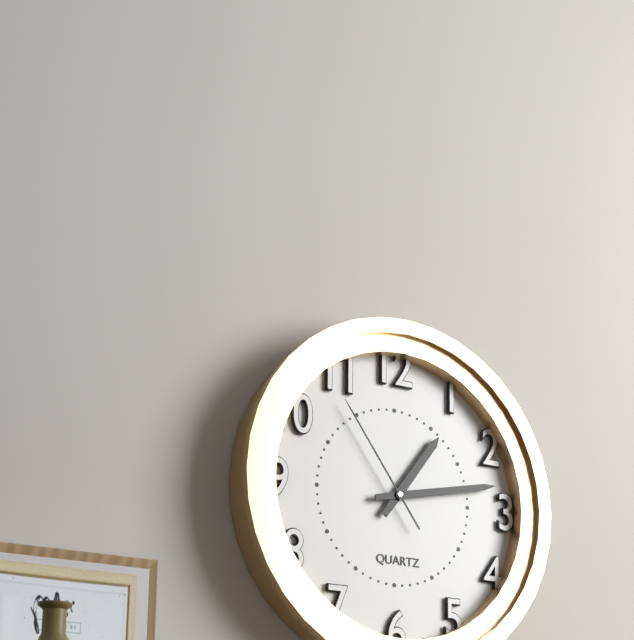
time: **1:13:54**
